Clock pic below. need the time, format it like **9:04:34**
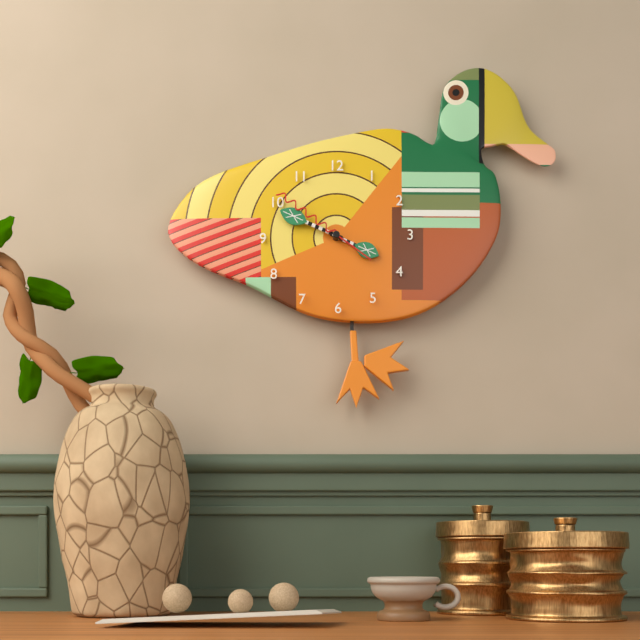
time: **3:49:51**
